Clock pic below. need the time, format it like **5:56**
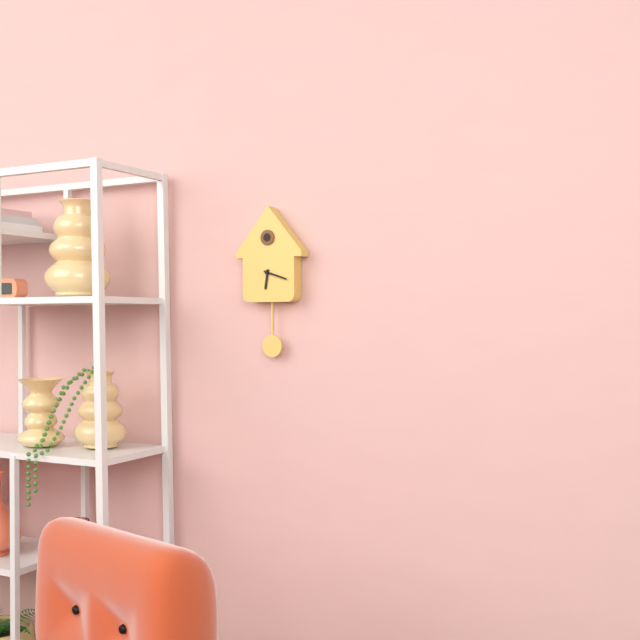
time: **6:18**
